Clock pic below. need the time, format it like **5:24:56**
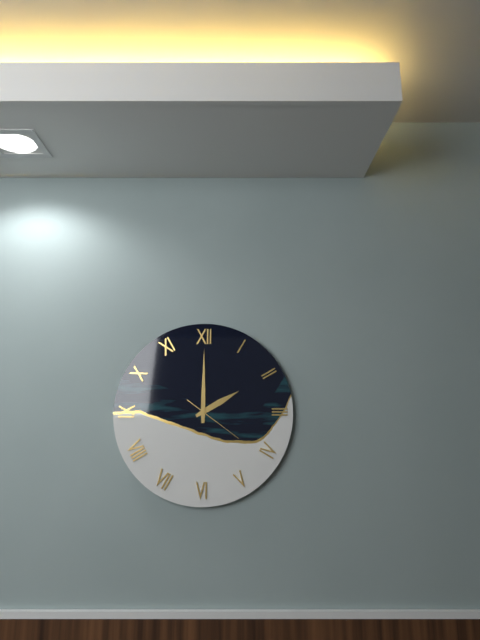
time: **2:00:21**
